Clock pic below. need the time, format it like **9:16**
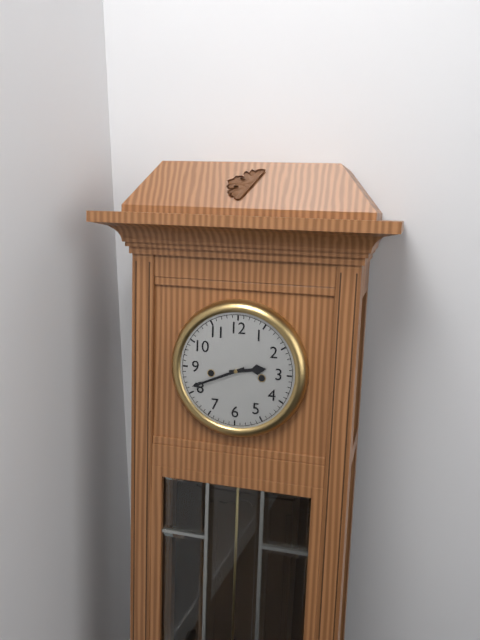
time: **2:41**
